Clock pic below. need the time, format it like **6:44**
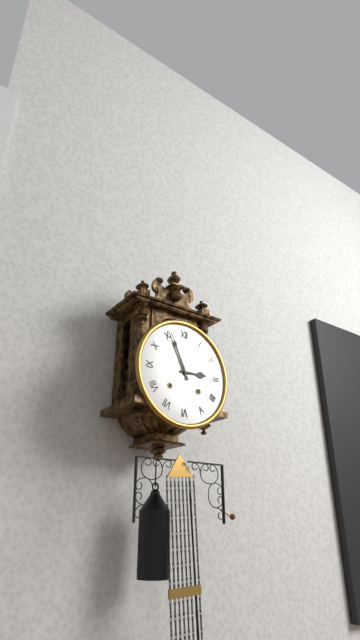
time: **2:56**
